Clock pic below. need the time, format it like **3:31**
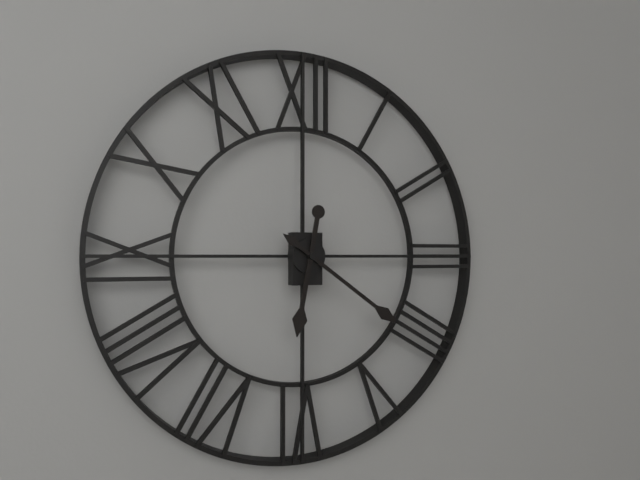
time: **6:21**
